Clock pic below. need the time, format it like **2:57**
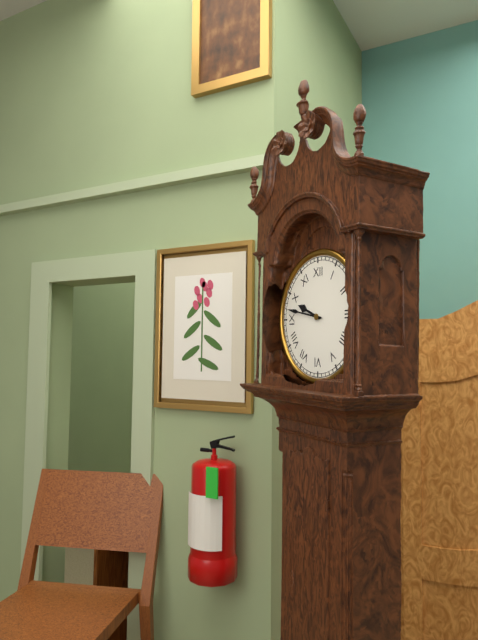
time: **9:47**
